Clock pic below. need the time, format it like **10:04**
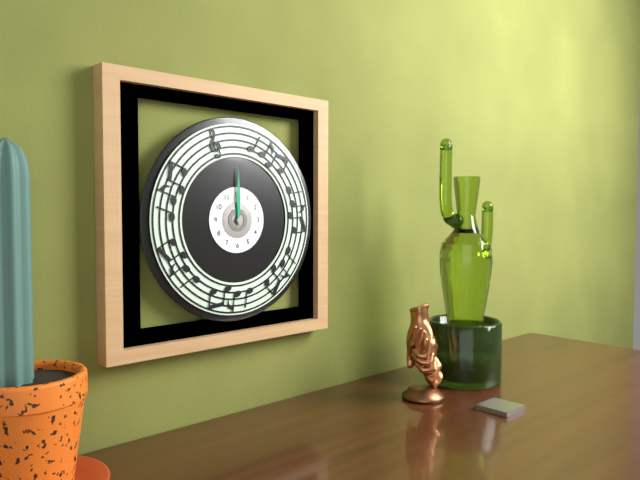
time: **12:00**
